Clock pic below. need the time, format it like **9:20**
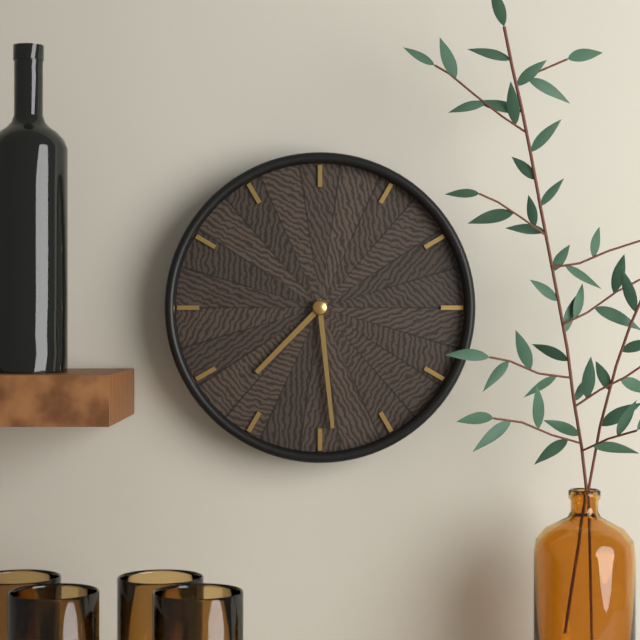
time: **7:29**
